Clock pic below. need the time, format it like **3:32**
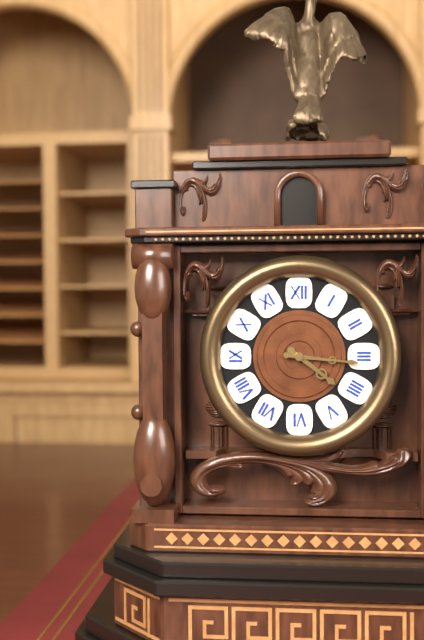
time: **4:16**
